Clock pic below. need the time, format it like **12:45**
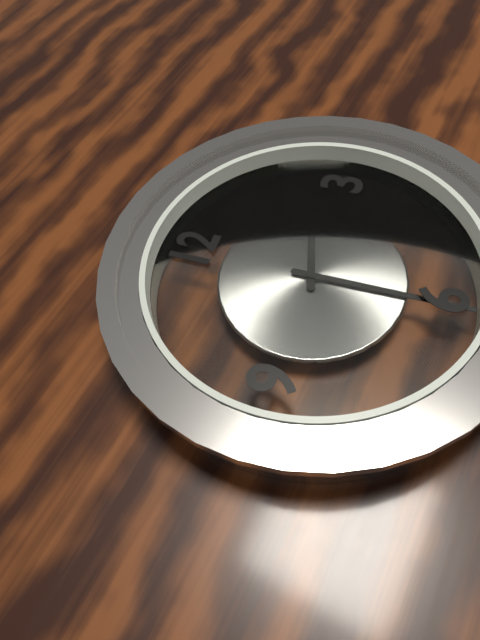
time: **2:30**
